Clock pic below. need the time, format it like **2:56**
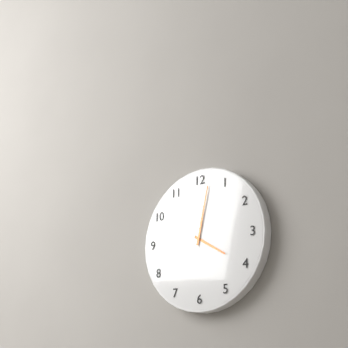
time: **4:02**
